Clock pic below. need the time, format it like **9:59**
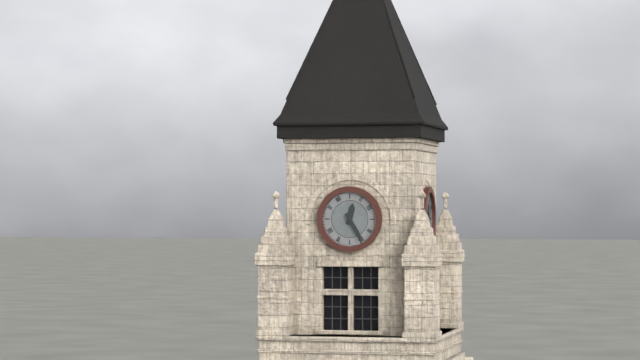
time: **12:25**
